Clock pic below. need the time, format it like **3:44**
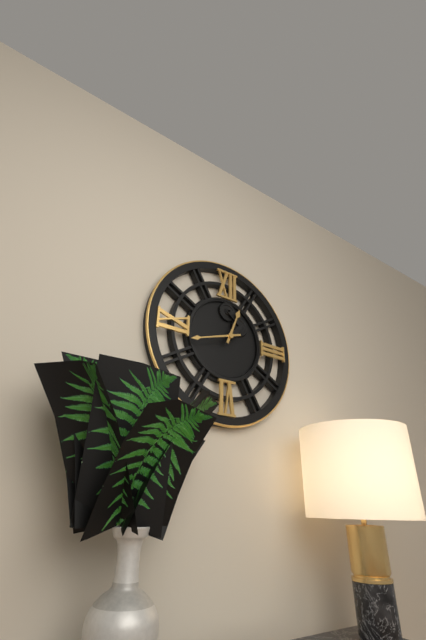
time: **12:42**
